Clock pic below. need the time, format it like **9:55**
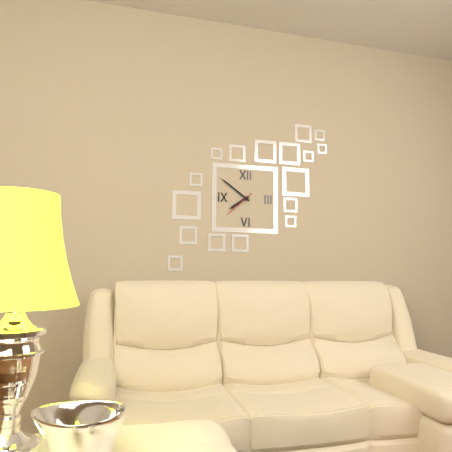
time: **7:51**
